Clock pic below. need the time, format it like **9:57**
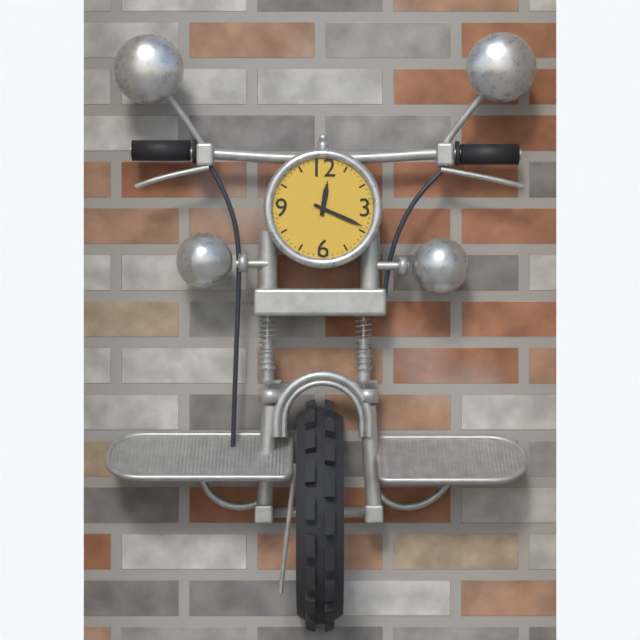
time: **12:19**
